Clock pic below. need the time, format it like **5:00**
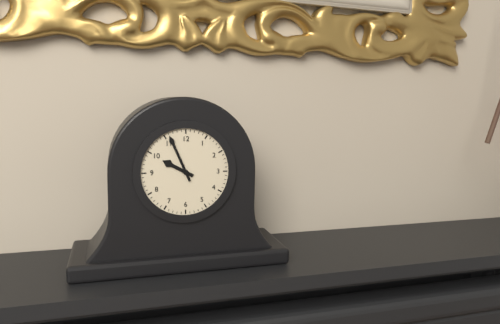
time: **9:56**
